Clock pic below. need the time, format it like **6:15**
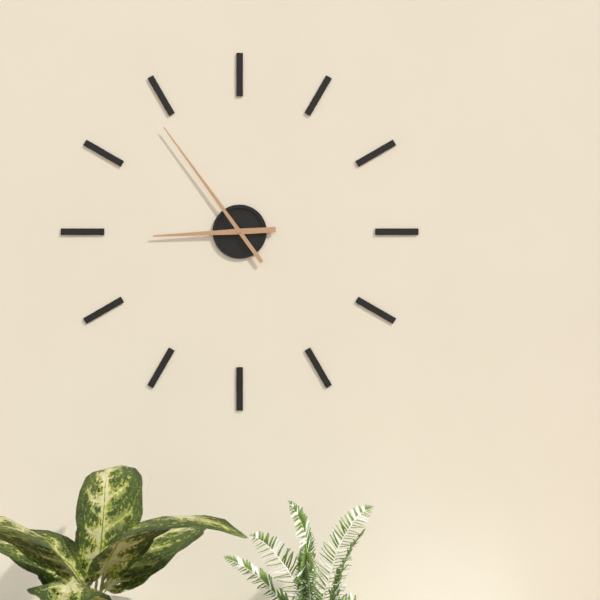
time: **8:54**
